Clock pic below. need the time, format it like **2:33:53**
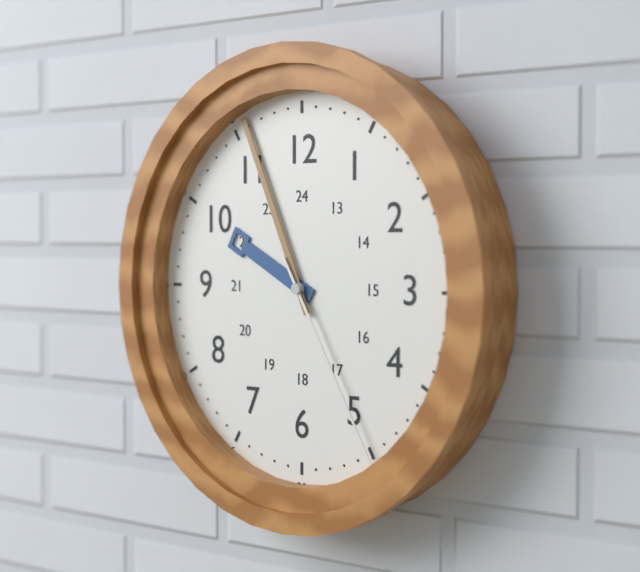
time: **9:56:25**
